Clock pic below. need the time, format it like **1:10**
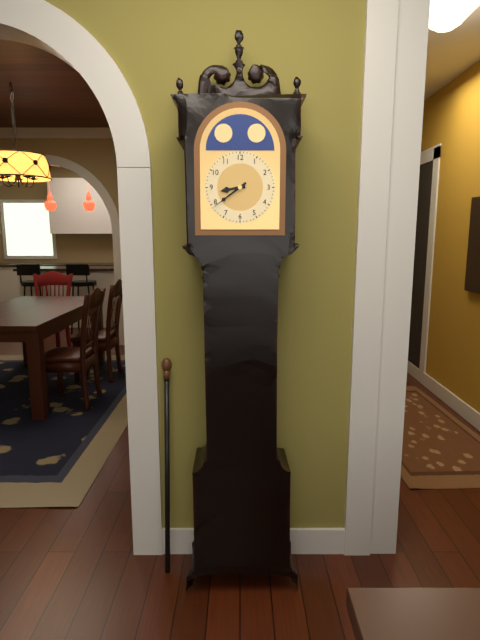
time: **8:39**
